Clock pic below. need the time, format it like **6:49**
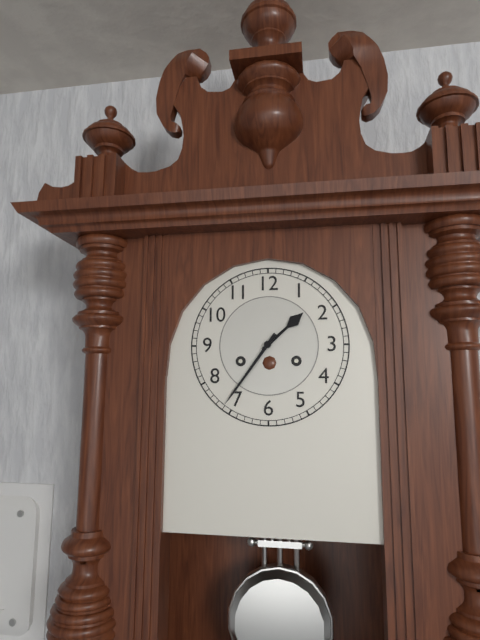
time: **1:36**
